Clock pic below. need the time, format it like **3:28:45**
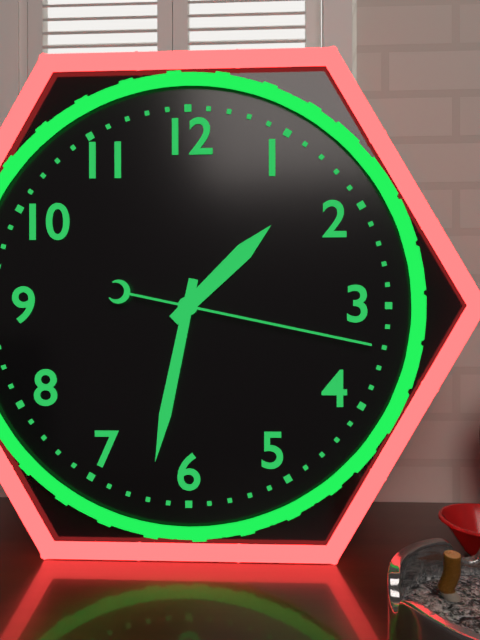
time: **1:32:17**
